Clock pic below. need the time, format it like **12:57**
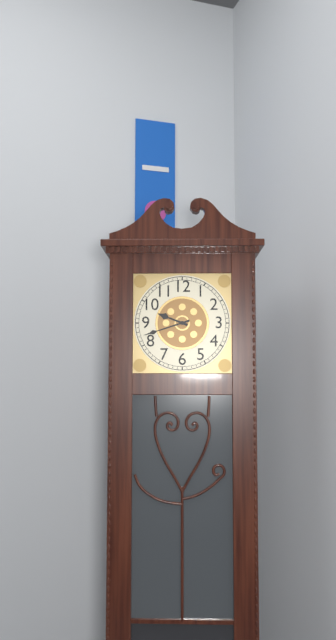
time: **9:42**
